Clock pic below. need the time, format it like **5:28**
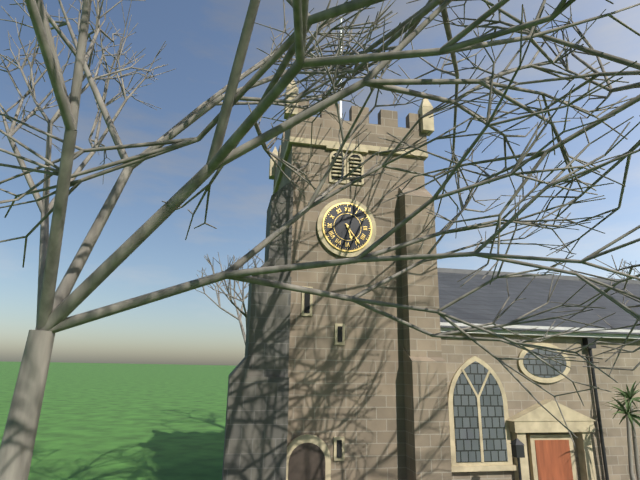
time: **5:24**
